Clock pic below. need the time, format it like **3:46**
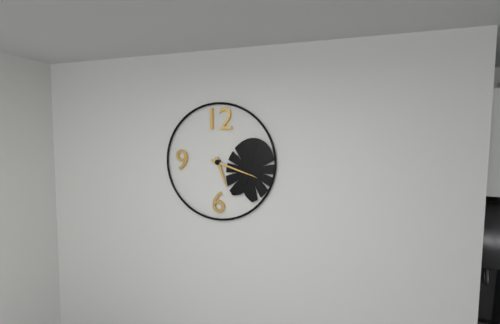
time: **5:18**
